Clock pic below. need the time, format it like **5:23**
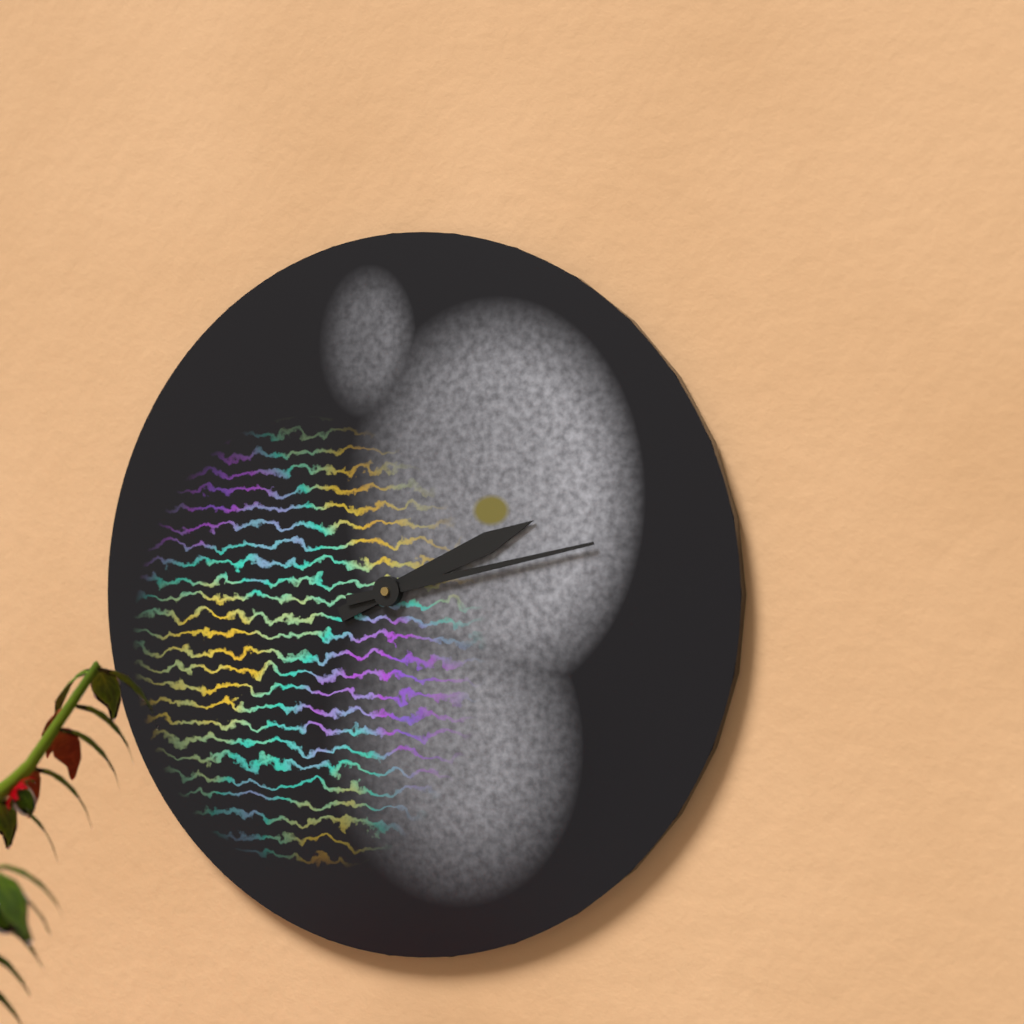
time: **2:13**
